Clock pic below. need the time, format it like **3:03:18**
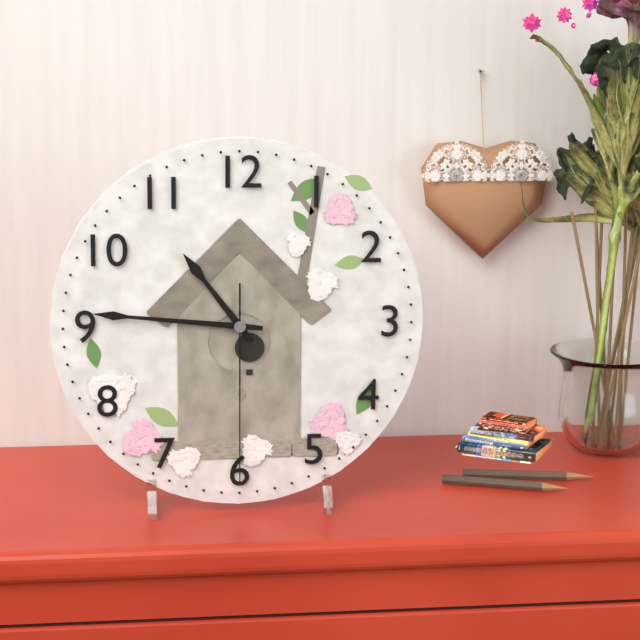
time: **10:46:30**
